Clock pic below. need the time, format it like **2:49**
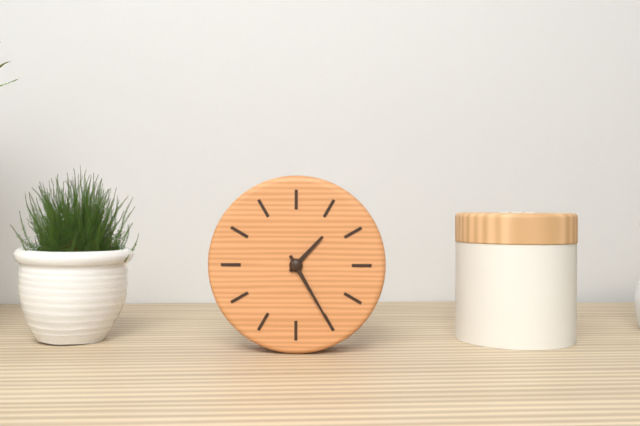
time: **1:25**
